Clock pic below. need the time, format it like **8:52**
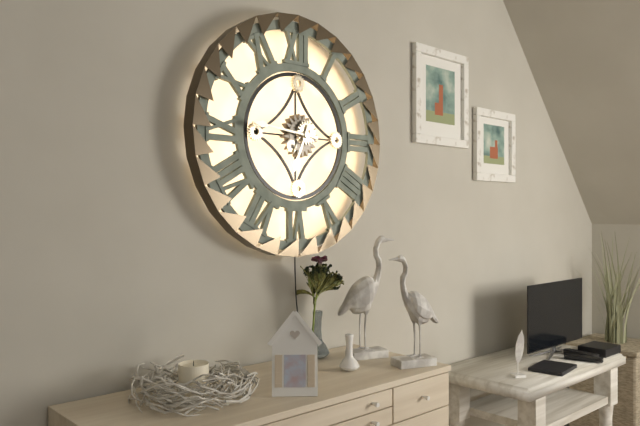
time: **6:46**
